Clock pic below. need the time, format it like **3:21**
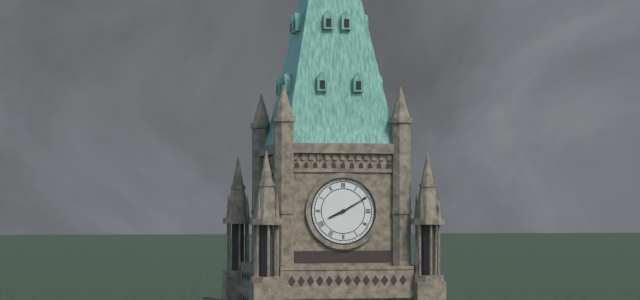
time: **8:10**
